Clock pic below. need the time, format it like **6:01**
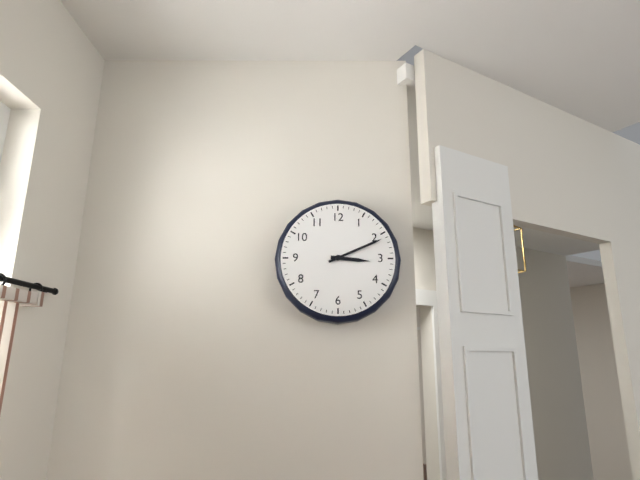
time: **3:11**
